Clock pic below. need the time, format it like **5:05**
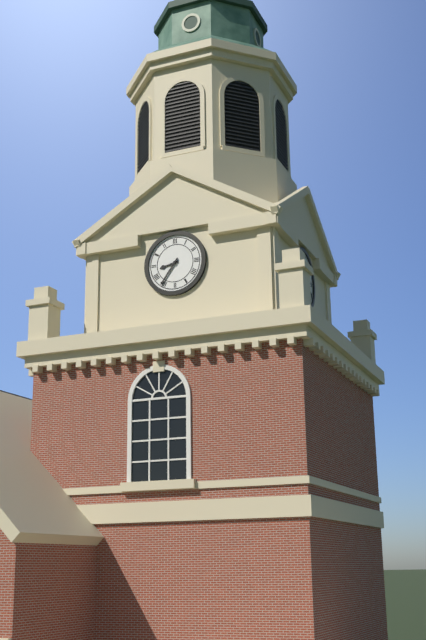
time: **8:36**
